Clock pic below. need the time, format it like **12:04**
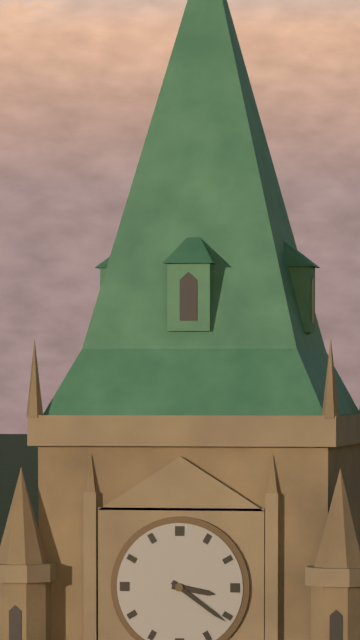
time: **3:21**
